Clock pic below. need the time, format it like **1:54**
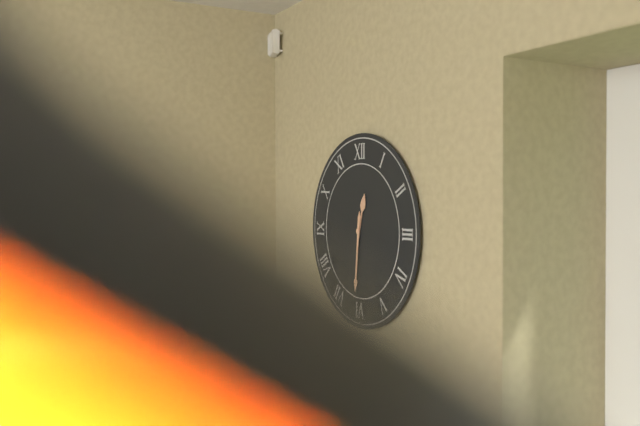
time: **12:31**
